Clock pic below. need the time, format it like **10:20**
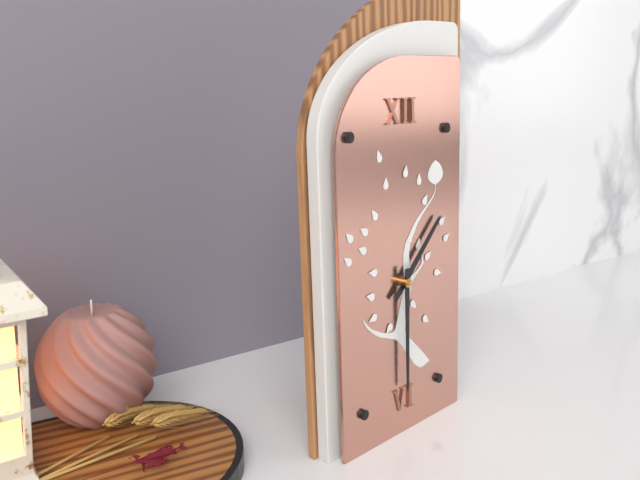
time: **1:30**
